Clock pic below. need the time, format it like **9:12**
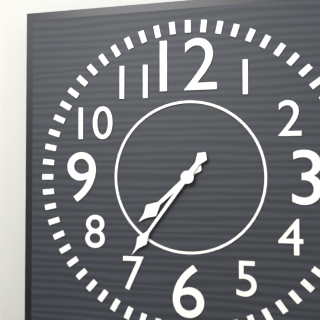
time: **7:36**
